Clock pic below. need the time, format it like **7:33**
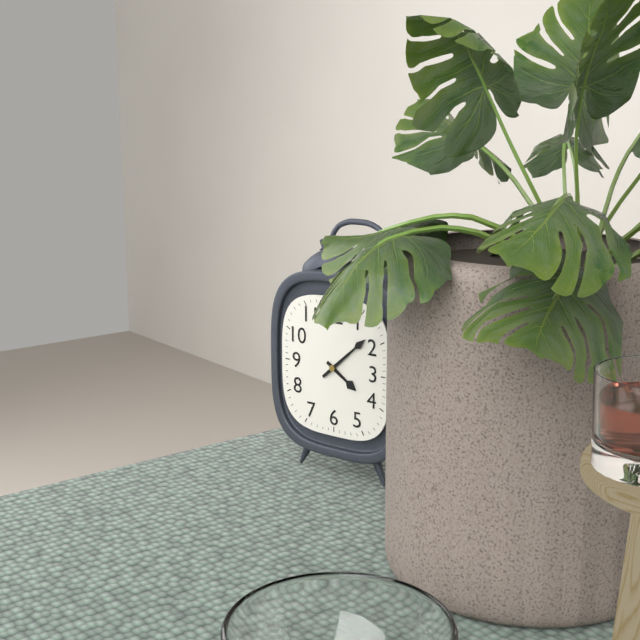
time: **4:08**
